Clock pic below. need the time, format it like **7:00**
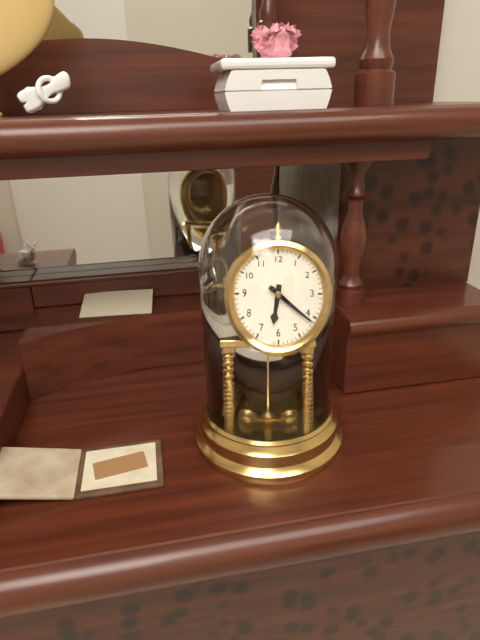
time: **6:21**
